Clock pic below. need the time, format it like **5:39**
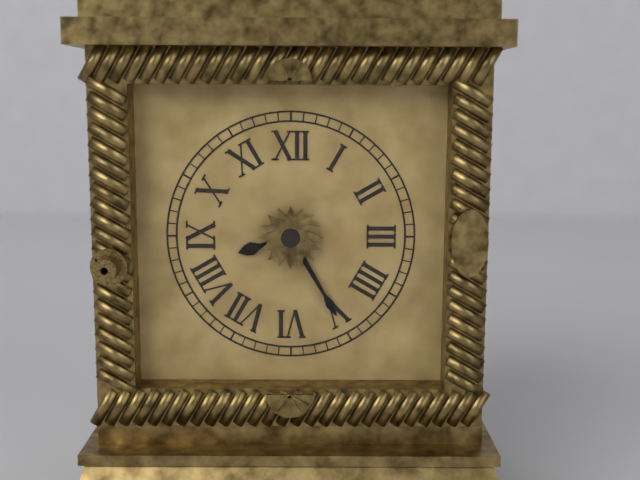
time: **8:25**
